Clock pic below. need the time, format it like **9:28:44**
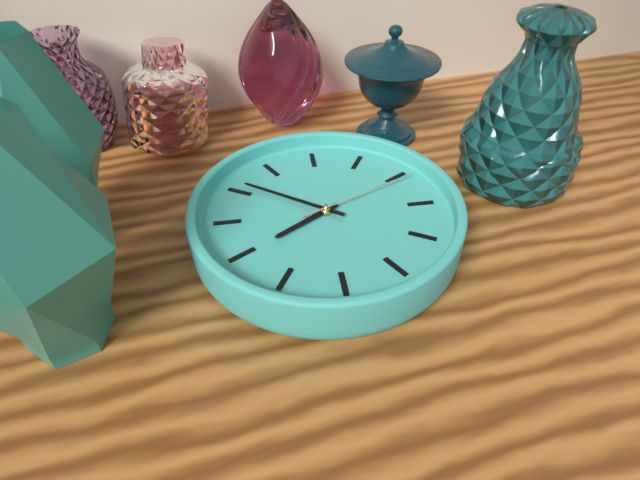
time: **8:56:16**
